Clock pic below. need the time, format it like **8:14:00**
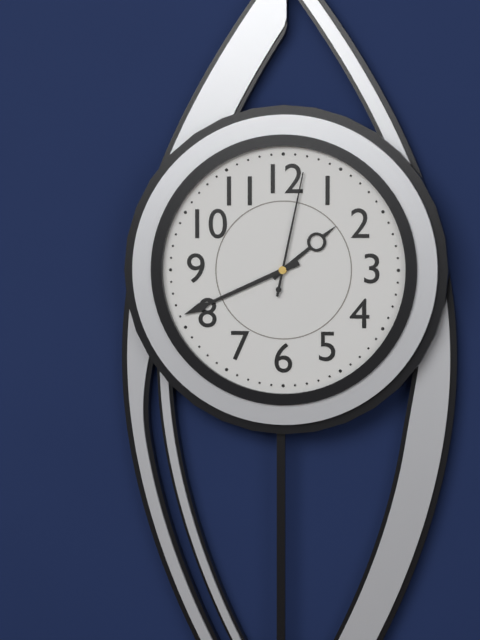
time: **1:41:02**
